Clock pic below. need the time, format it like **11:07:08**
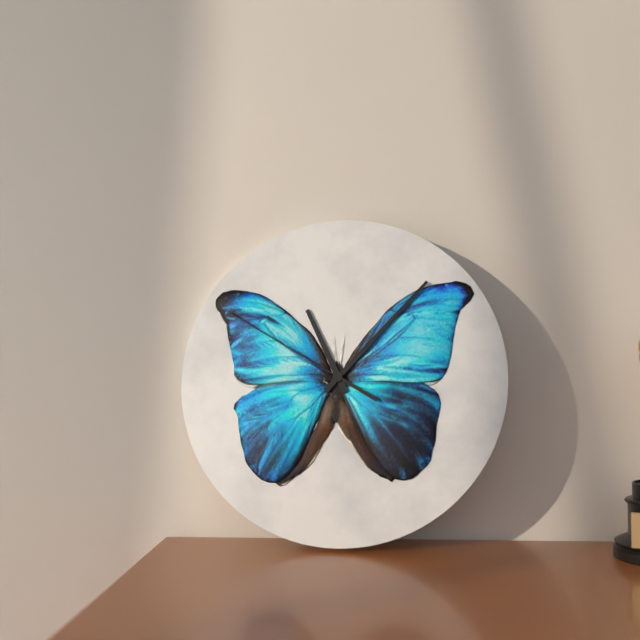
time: **11:07:50**
